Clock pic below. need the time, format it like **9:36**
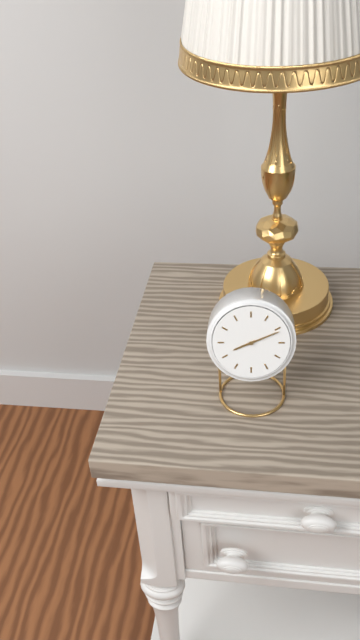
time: **8:11**
